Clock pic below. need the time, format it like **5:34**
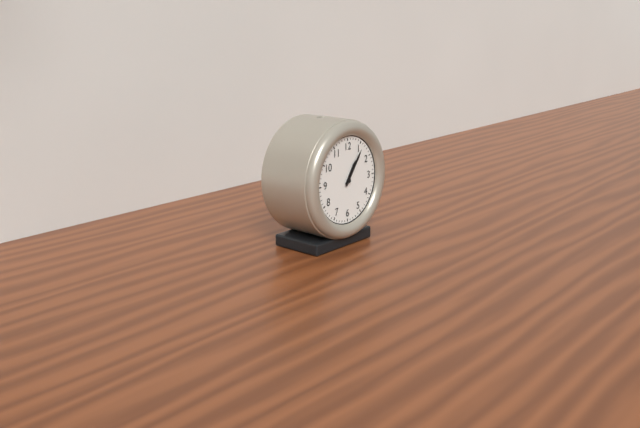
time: **1:06**
